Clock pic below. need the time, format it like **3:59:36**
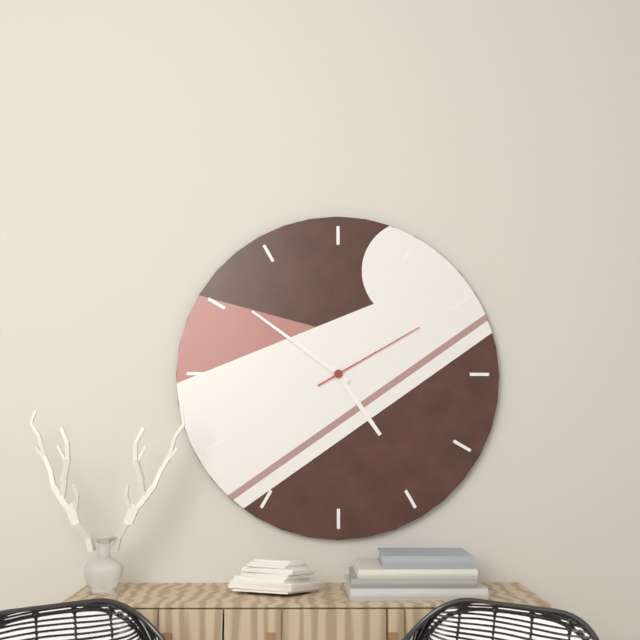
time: **4:51:10**
